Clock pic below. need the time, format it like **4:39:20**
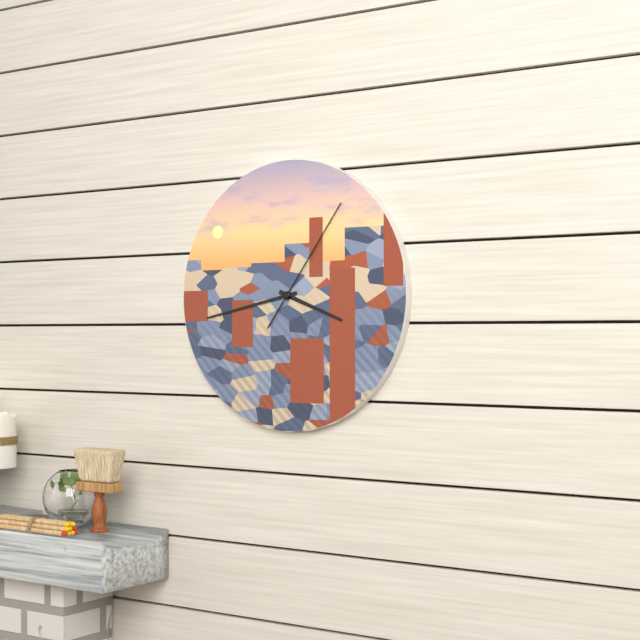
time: **3:43:06**
